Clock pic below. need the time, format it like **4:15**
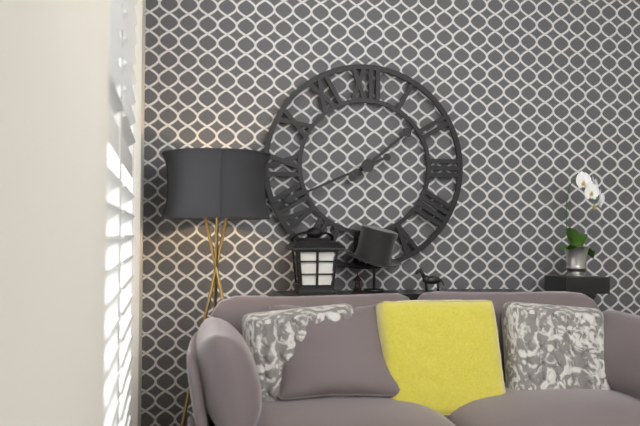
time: **1:41**
